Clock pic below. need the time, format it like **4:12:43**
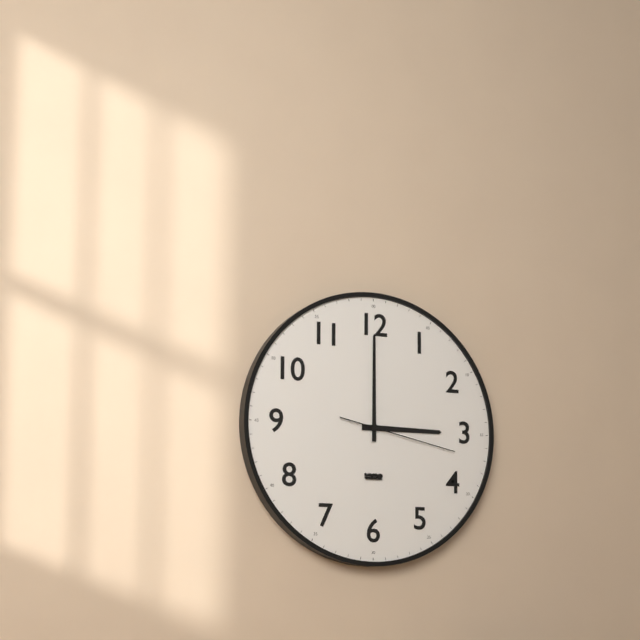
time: **3:00:17**
